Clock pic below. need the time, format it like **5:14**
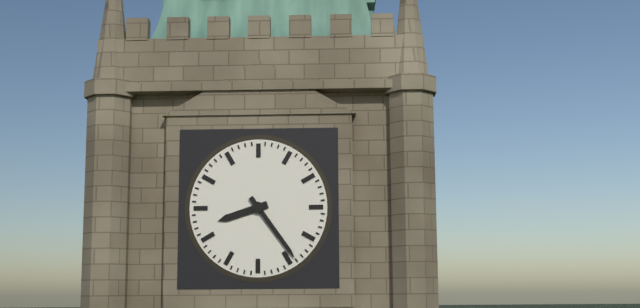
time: **8:24**
